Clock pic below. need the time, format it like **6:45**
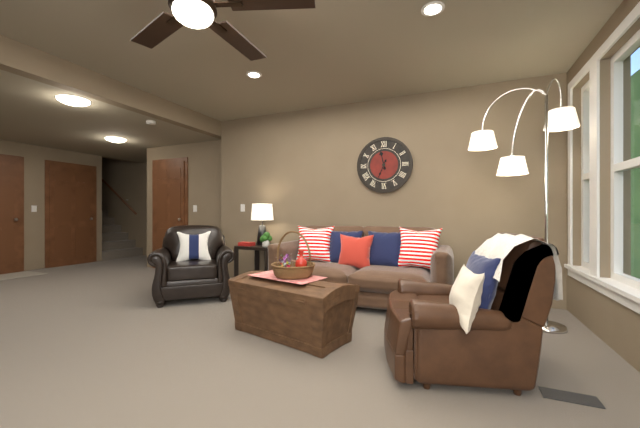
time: **11:34**
